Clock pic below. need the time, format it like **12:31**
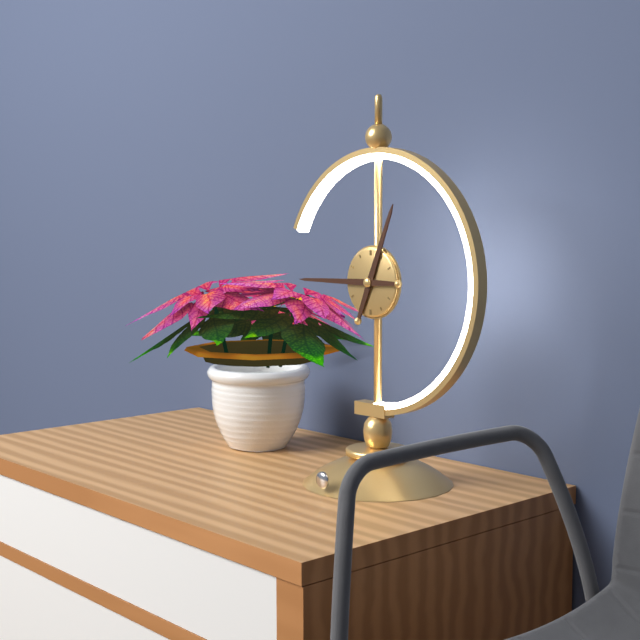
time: **12:45**
